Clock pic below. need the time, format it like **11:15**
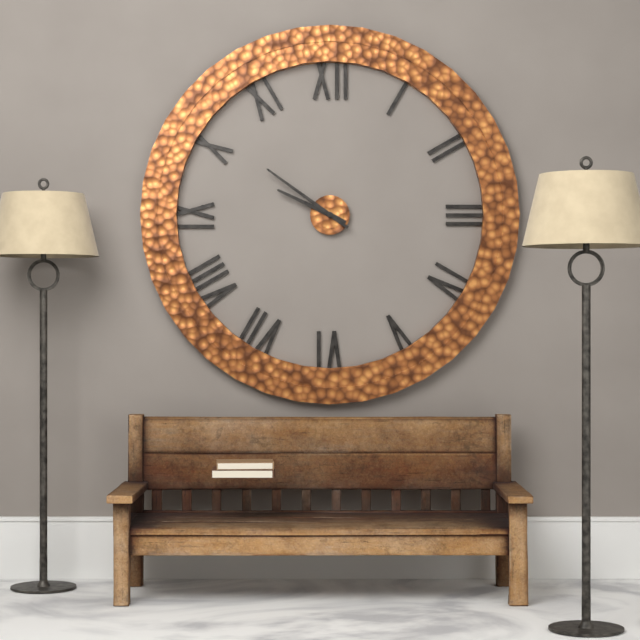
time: **9:51**
